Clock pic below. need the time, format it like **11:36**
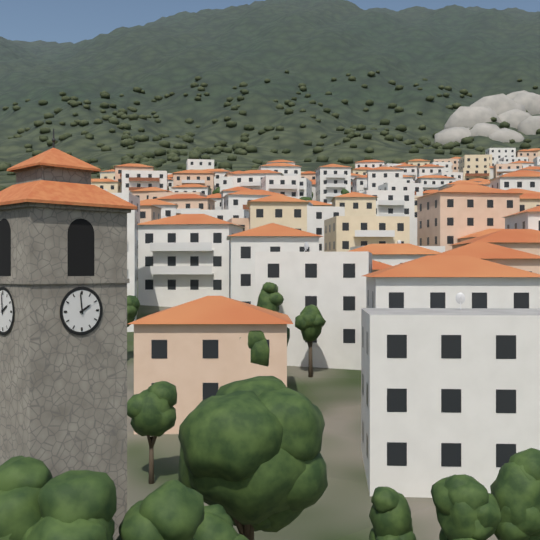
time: **1:59**
